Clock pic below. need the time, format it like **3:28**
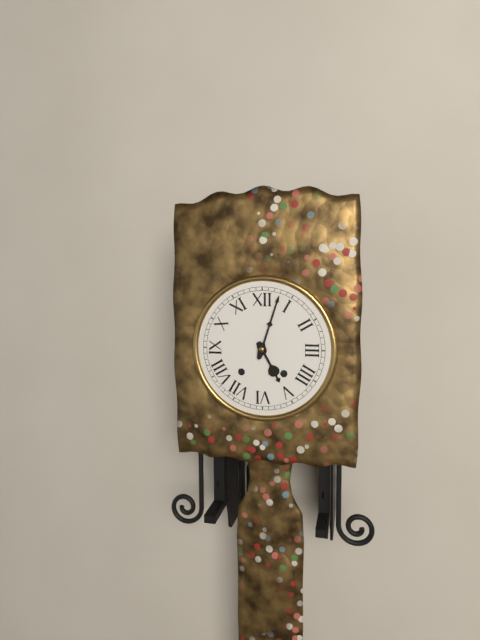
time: **5:03**
